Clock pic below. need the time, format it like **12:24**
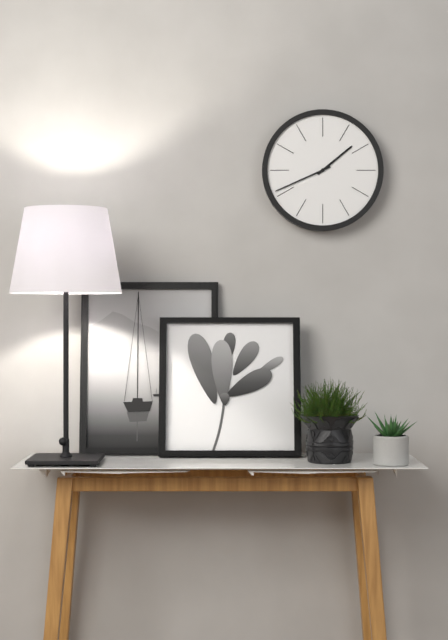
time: **1:41**
